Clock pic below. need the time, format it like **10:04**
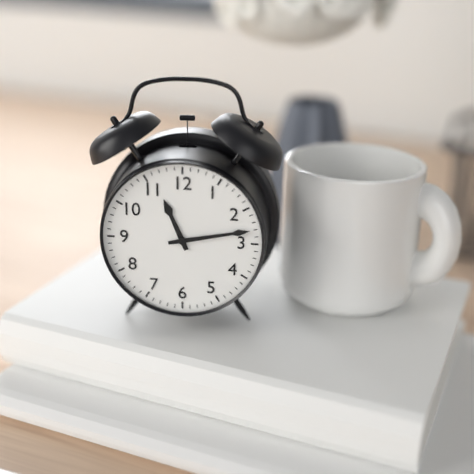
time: **11:13**
